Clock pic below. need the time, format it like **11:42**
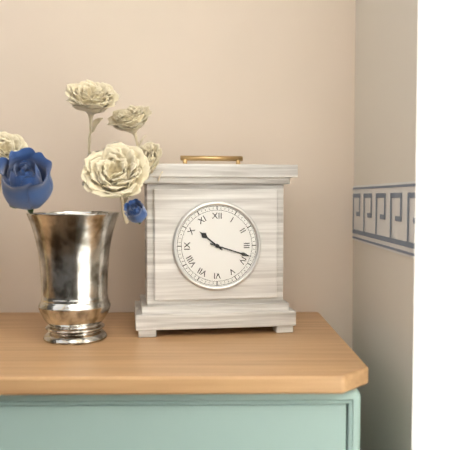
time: **10:18**
